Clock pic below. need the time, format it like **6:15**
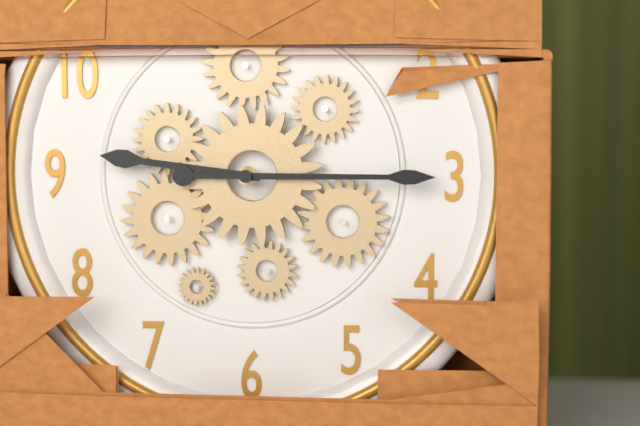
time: **9:15**
